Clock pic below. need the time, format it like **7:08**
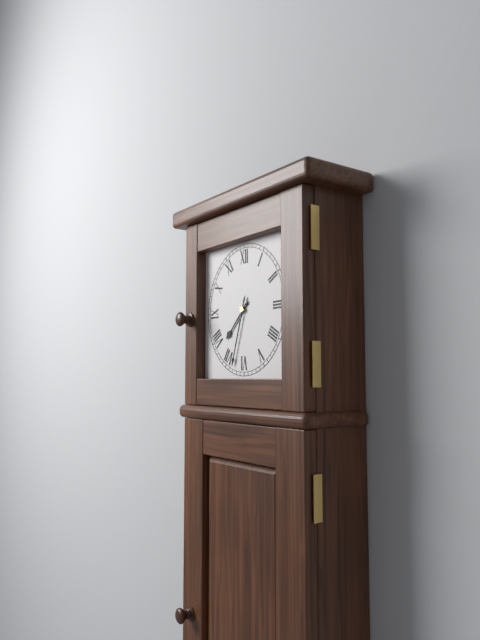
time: **7:33**
